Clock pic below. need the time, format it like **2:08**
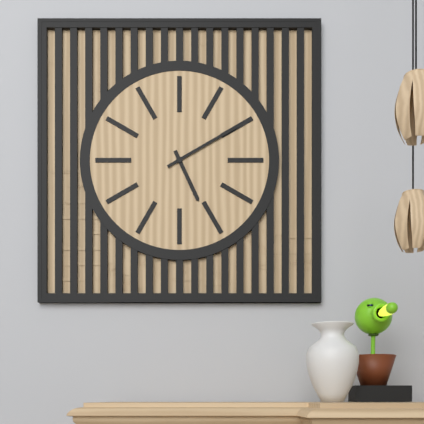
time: **5:10**
